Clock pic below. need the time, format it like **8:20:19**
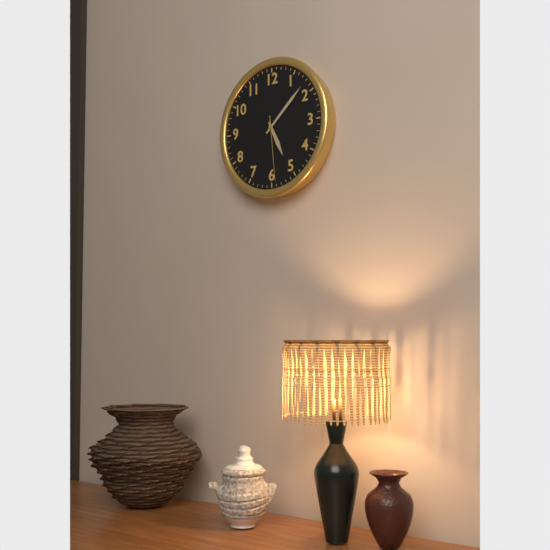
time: **5:08:29**
